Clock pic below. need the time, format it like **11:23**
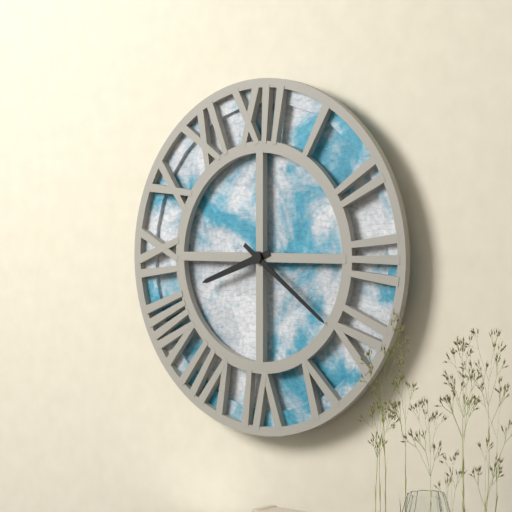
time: **8:21**
